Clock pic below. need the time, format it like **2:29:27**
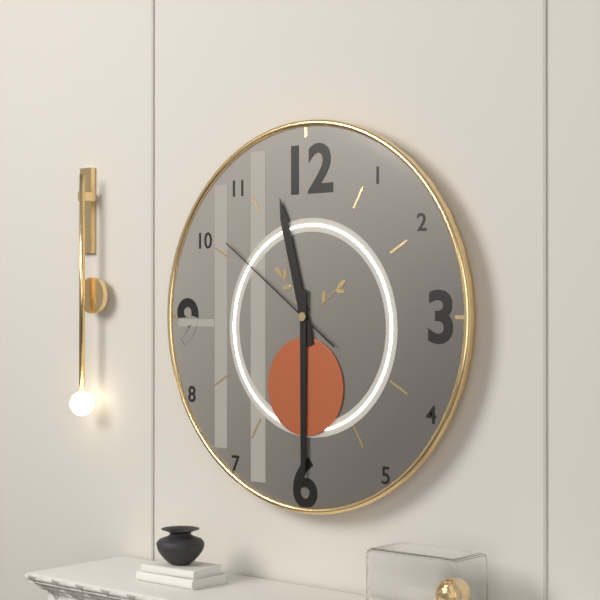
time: **11:30:51**
